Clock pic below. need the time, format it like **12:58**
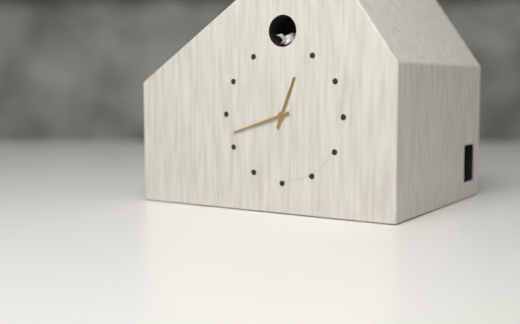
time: **12:42**
